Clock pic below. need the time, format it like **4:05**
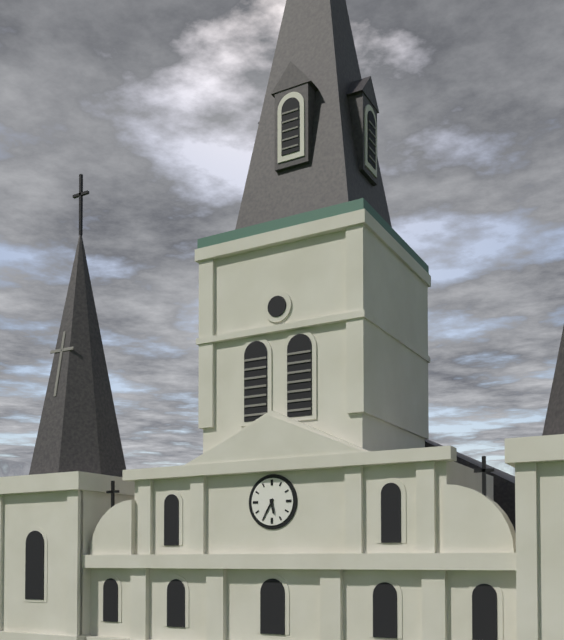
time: **5:35**
